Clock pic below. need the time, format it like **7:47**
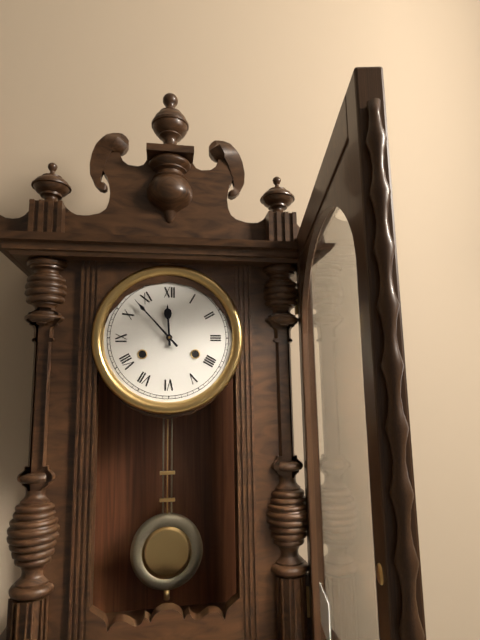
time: **11:53**
